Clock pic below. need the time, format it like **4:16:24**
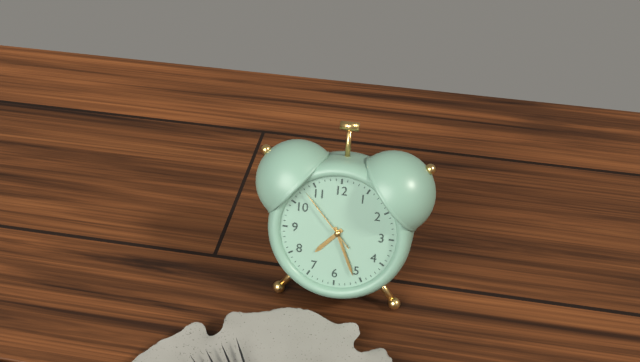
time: **7:26:53**
